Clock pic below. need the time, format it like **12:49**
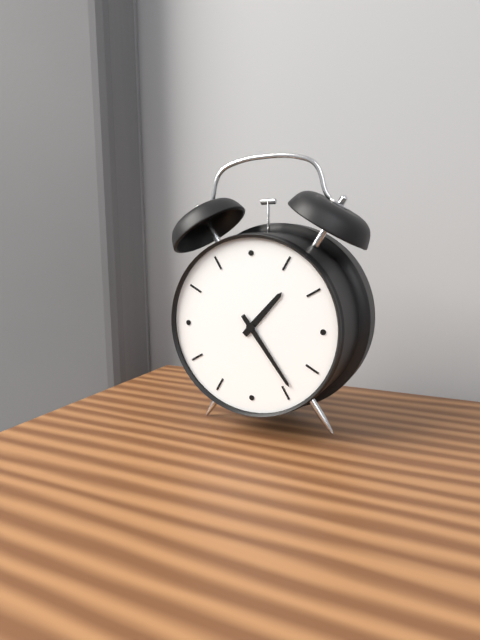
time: **1:24**
